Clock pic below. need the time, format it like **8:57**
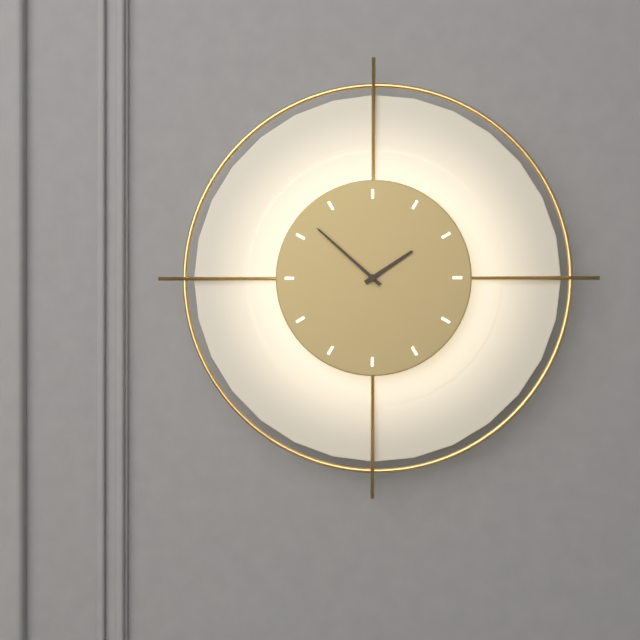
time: **1:52**
